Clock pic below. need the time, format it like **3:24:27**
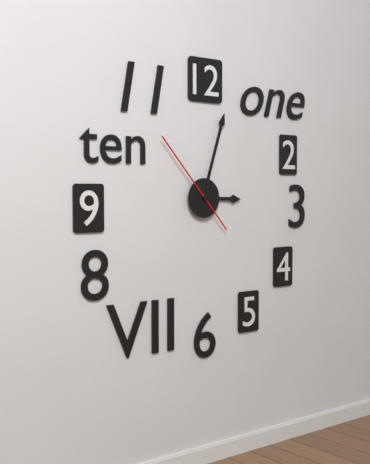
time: **3:03:53**
